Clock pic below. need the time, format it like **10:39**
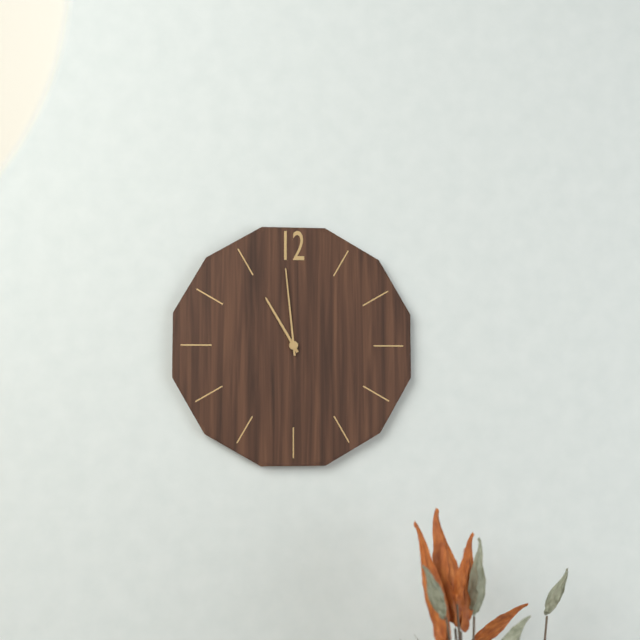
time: **10:59**
